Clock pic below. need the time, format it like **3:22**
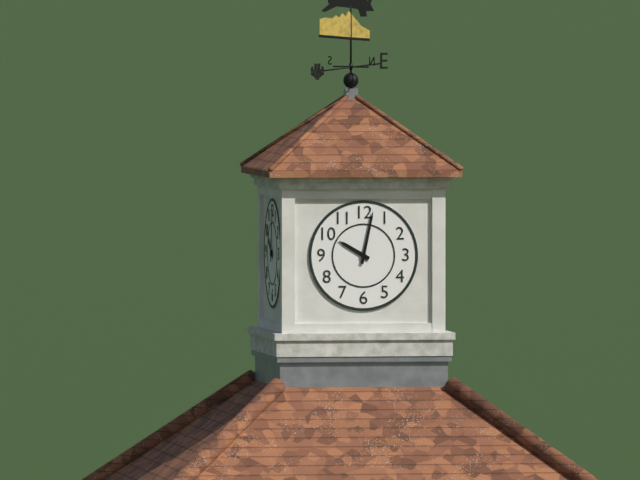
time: **10:02**
